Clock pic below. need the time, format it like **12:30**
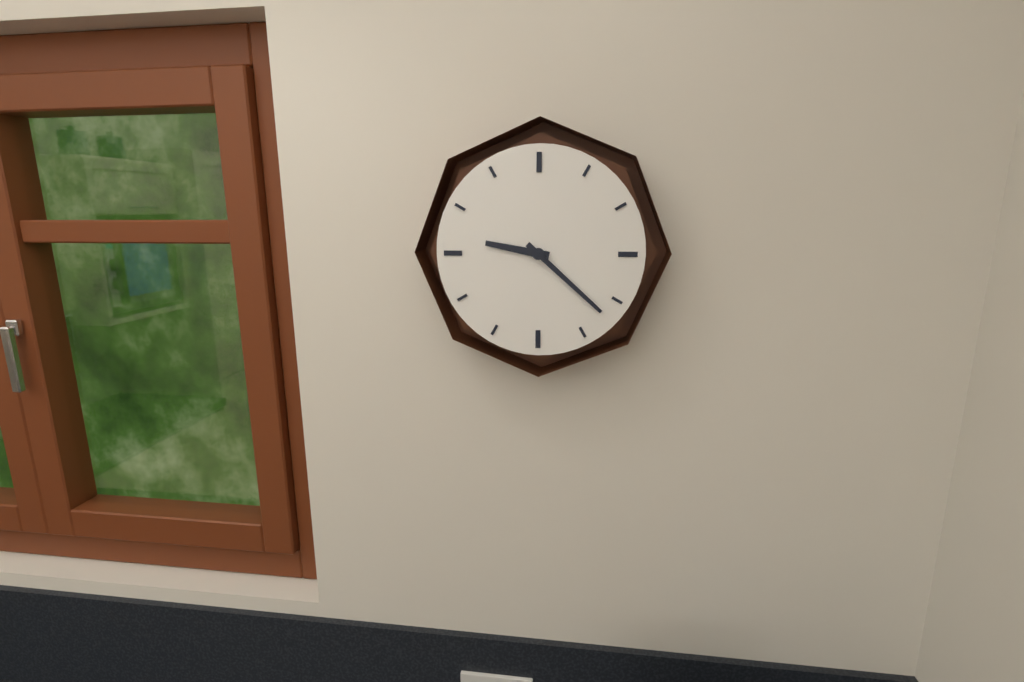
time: **9:22**
